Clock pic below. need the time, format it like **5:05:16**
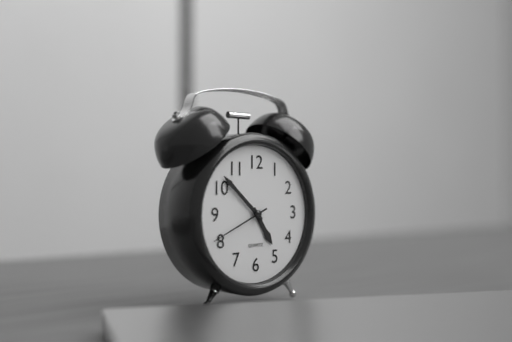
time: **4:52:41**
